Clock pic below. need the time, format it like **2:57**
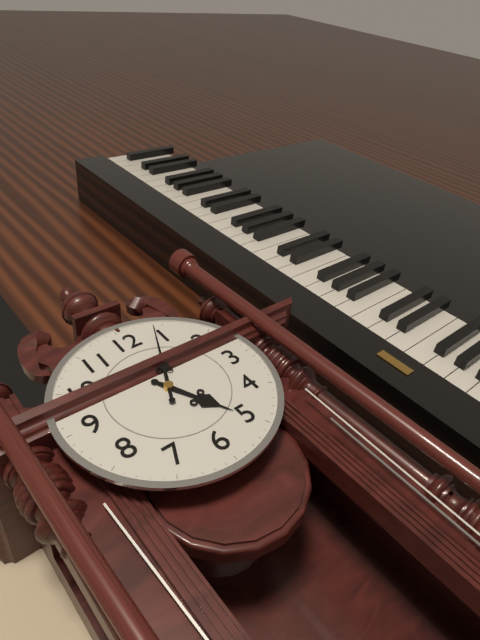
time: **5:04**
